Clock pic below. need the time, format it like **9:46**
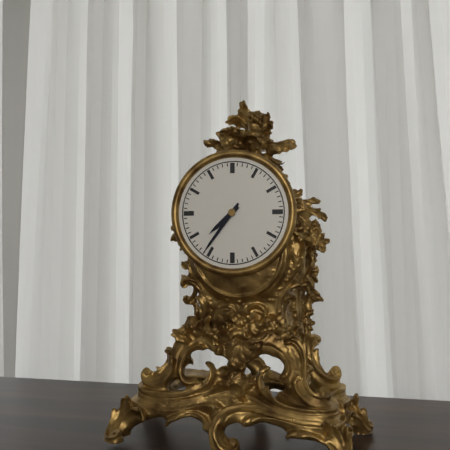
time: **7:36**
